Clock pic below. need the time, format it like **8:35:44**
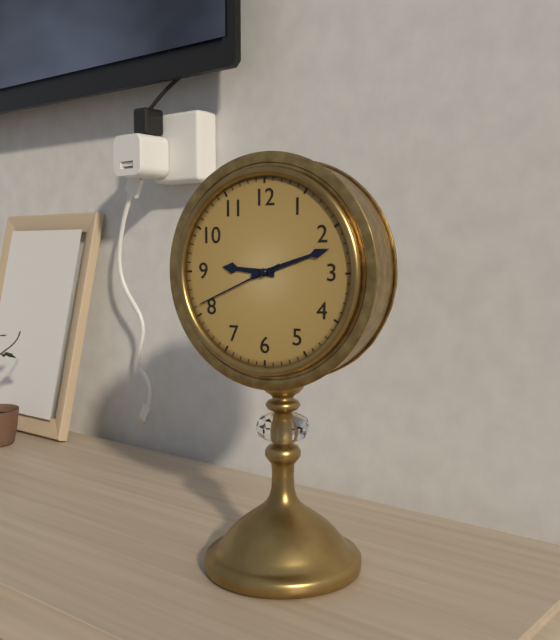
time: **9:12:41**
